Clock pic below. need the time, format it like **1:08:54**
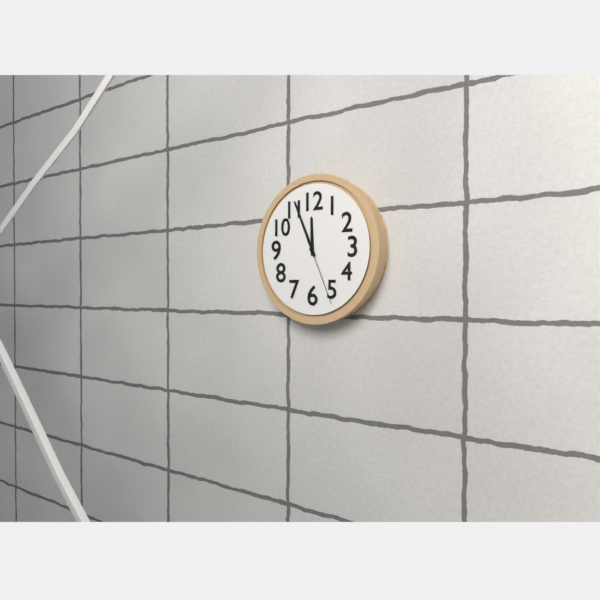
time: **11:56:26**
